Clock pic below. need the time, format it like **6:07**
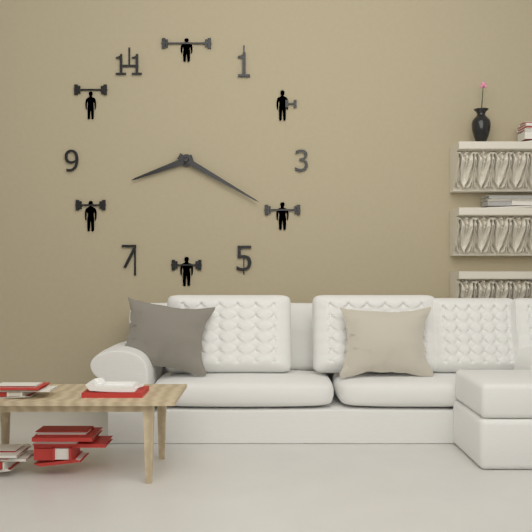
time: **8:20**
